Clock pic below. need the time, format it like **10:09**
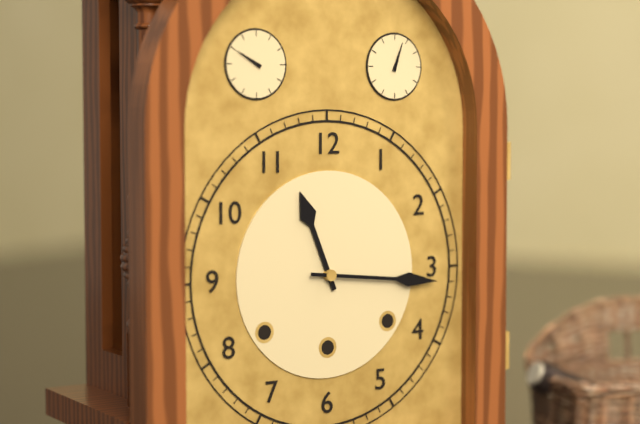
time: **11:16**
